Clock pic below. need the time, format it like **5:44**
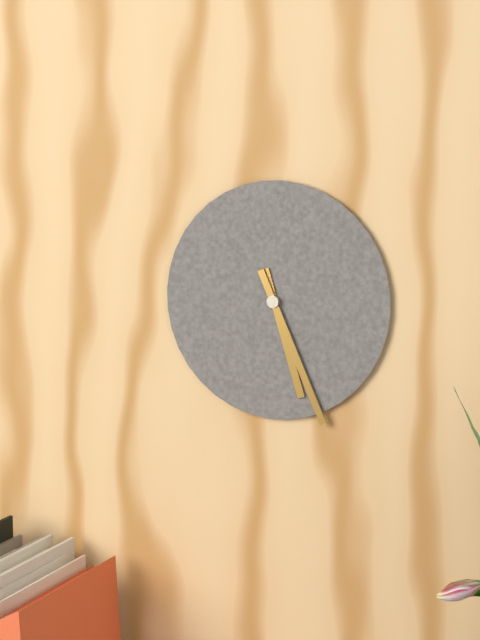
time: **5:26**
